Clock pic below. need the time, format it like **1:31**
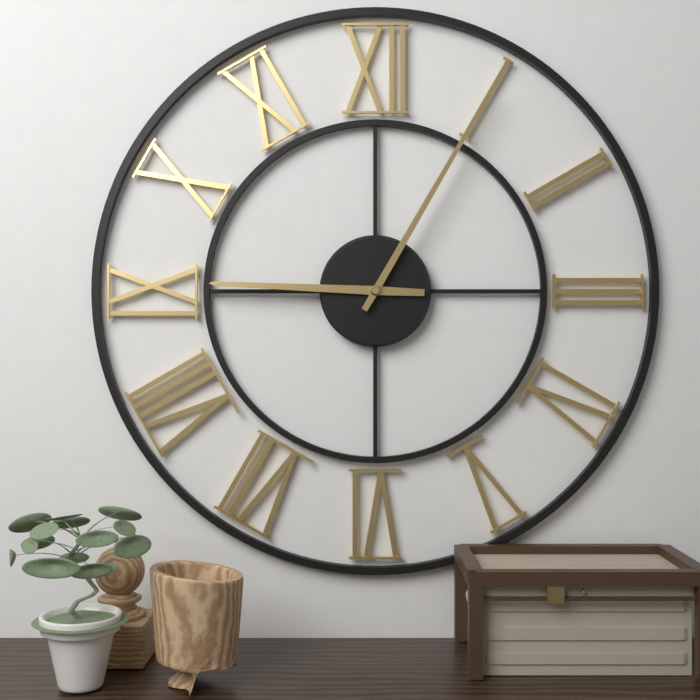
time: **9:05**
